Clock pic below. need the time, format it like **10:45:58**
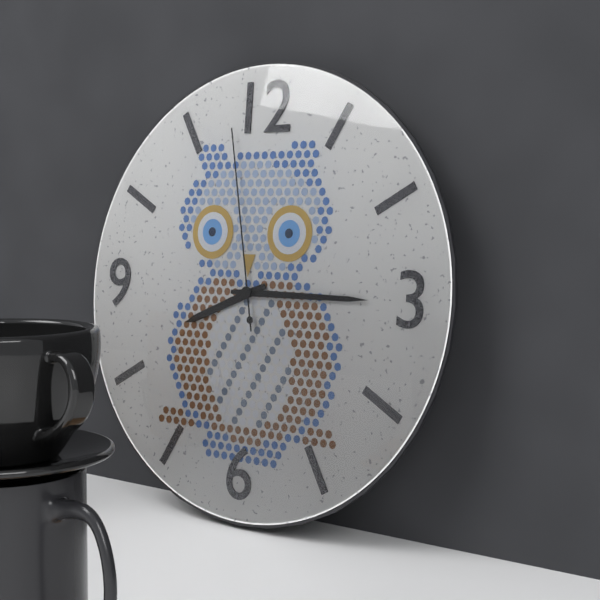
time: **8:15:58**
